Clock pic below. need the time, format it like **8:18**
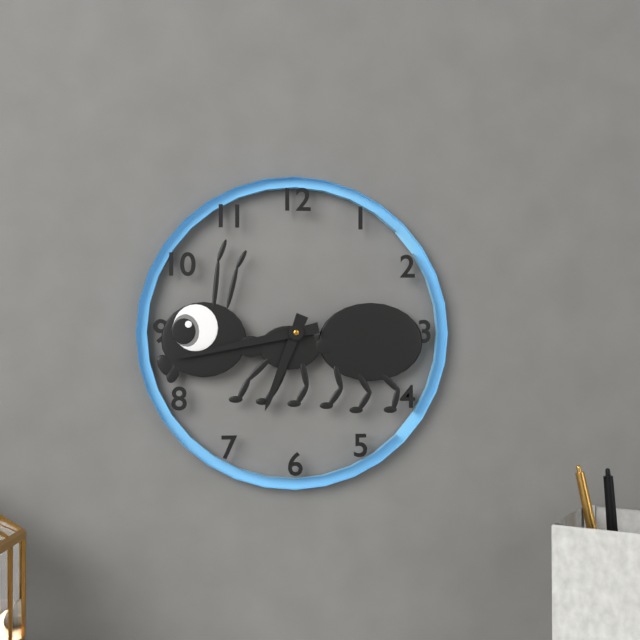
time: **6:43**
